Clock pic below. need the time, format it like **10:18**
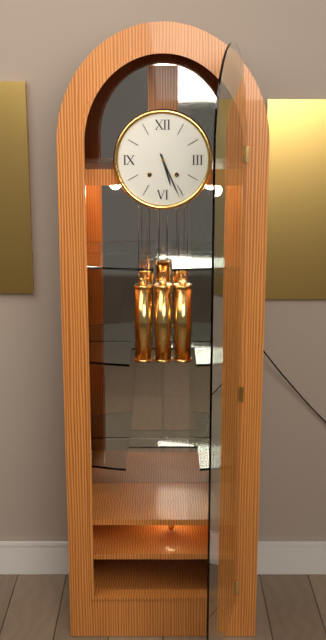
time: **5:26**
